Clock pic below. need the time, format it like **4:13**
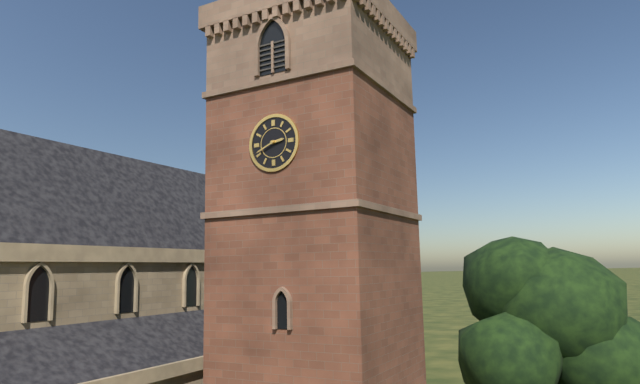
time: **2:41**
